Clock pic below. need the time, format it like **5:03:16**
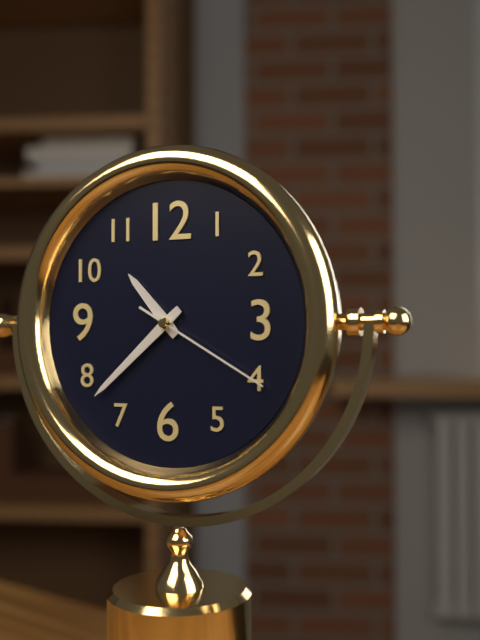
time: **10:38:20**
